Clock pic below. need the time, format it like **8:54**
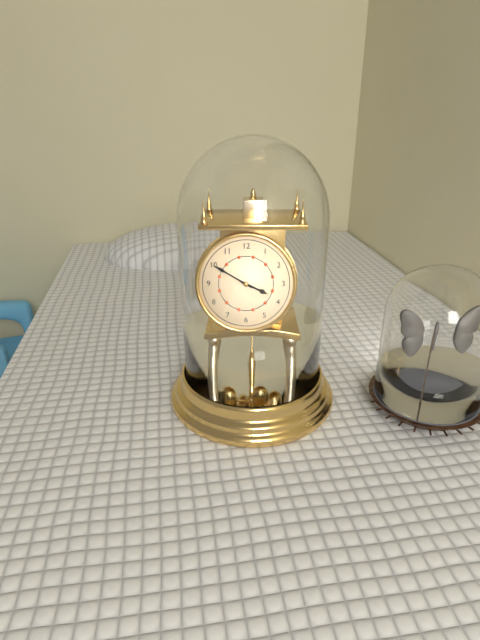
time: **3:50**
